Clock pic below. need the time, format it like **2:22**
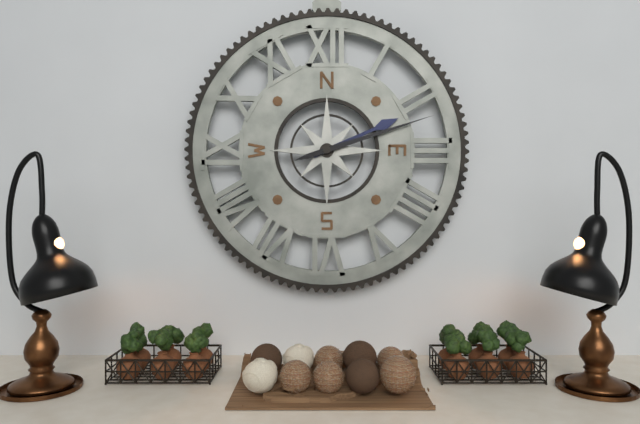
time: **2:12**
